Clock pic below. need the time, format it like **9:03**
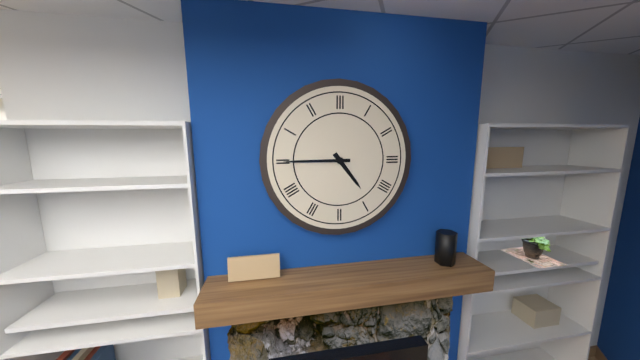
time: **4:45**
